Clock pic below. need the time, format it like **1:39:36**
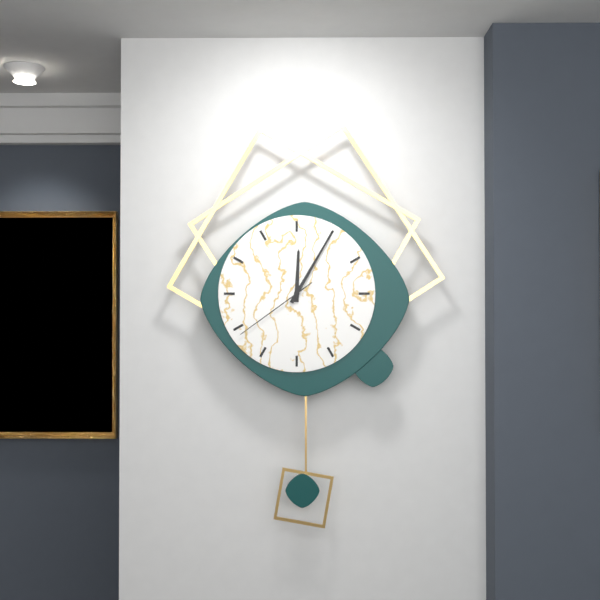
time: **12:05:39**
